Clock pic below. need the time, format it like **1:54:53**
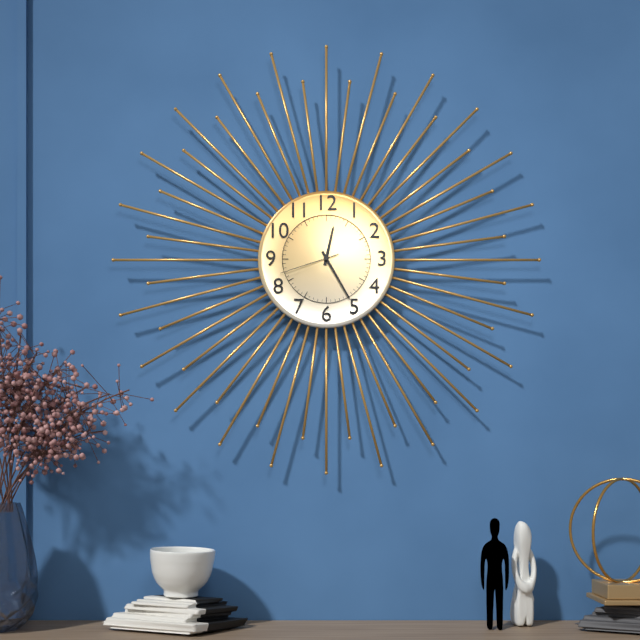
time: **12:25:42**
